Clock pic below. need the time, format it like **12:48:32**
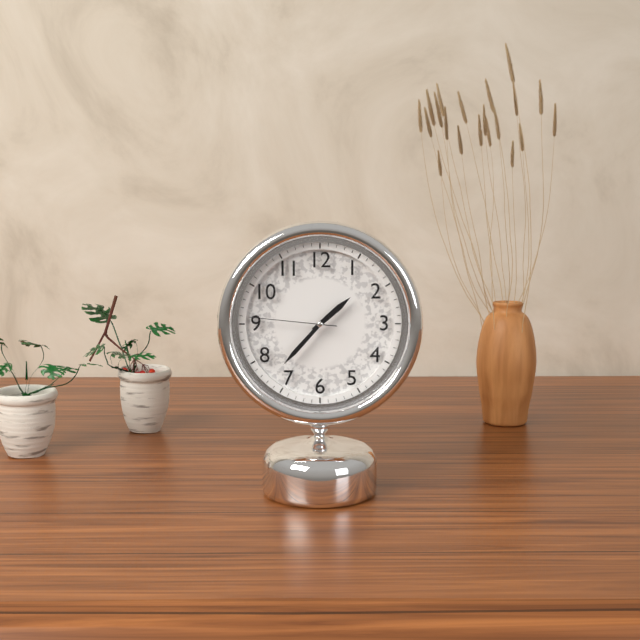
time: **1:37:46**
